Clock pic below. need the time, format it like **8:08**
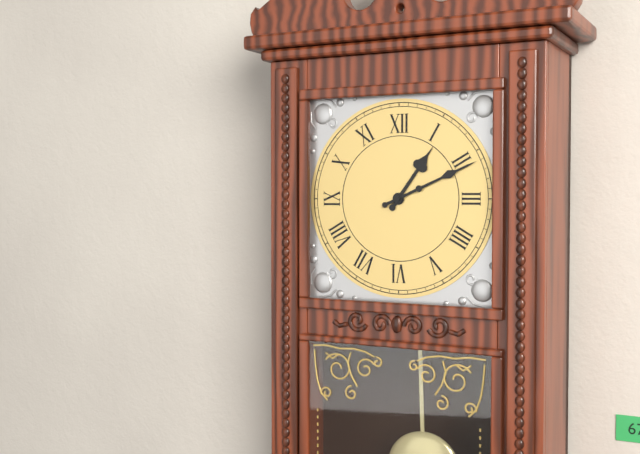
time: **1:11**
